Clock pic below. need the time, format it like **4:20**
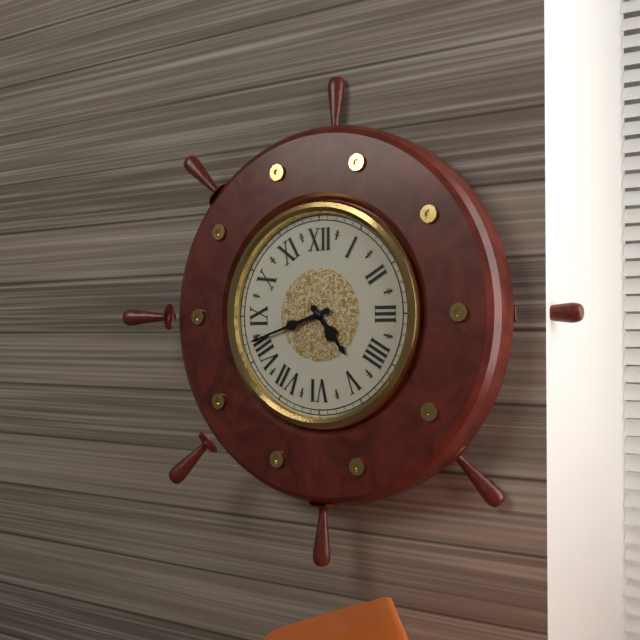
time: **4:42**
